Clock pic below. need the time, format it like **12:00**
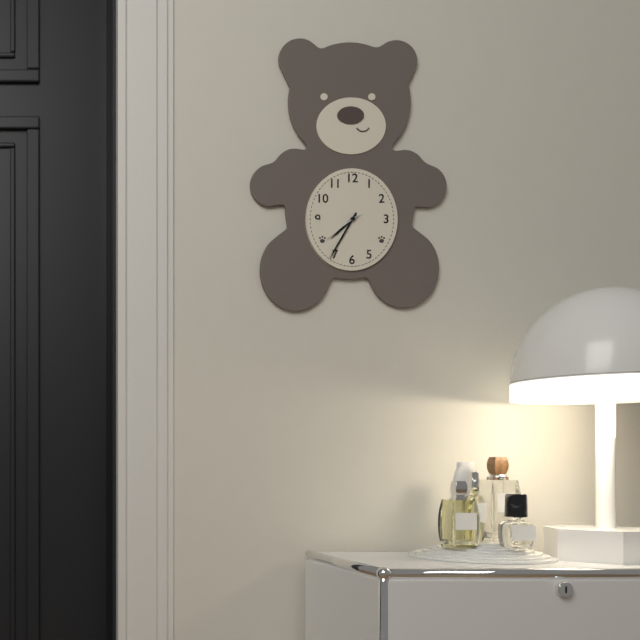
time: **7:35**
